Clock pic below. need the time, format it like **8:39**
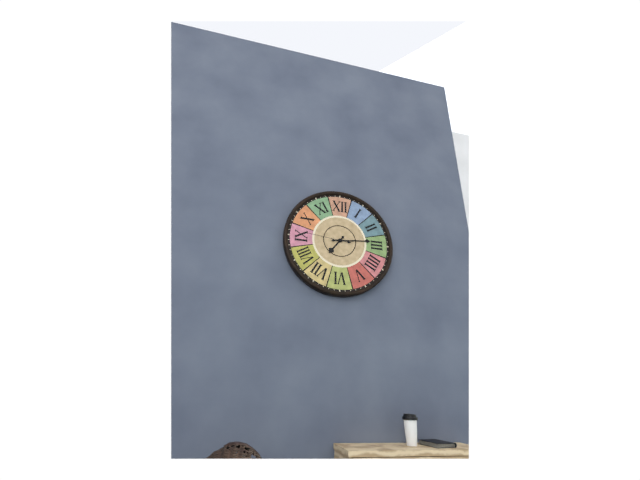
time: **7:14**
